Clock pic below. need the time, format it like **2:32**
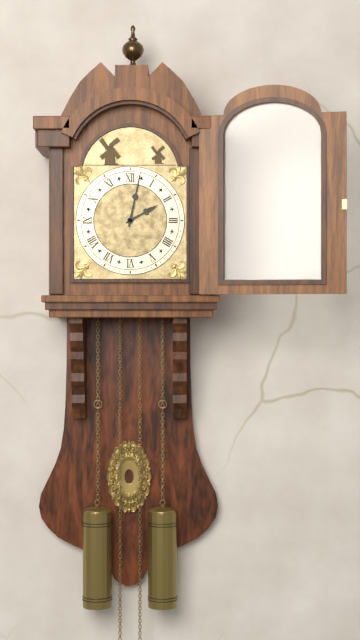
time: **2:02**
